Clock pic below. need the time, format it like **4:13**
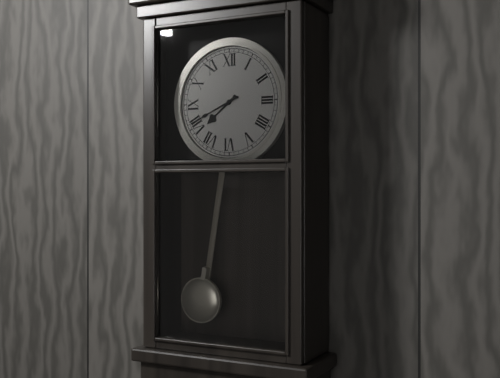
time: **7:41**
